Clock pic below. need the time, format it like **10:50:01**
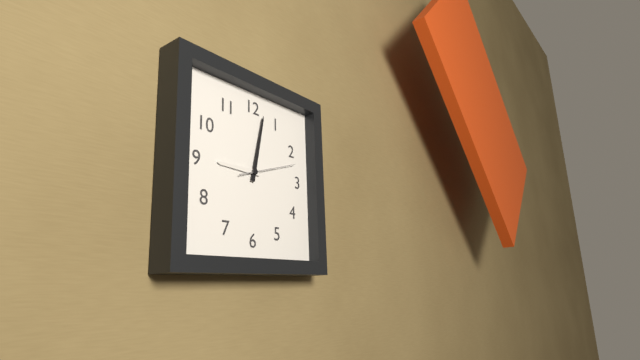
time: **9:02:12**
